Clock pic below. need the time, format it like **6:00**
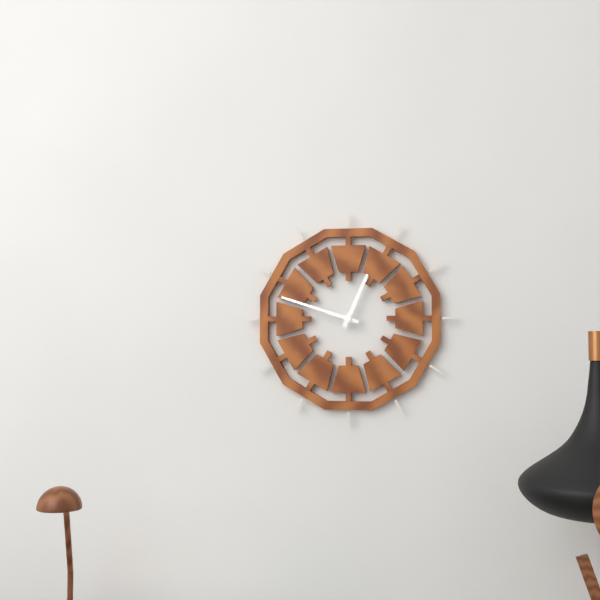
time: **12:48**
